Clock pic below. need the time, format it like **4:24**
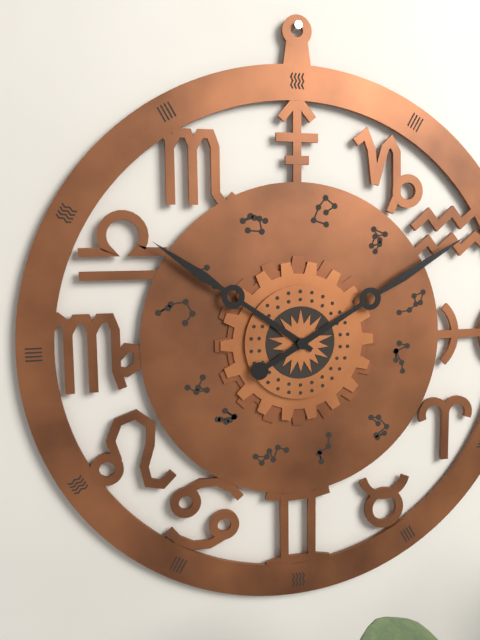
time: **10:10**
